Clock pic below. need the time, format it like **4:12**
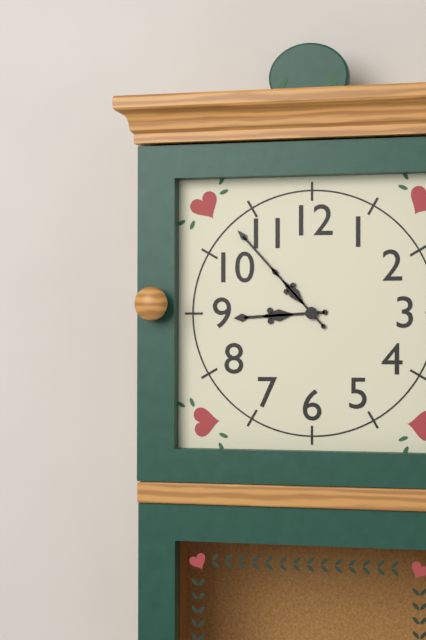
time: **8:53**
